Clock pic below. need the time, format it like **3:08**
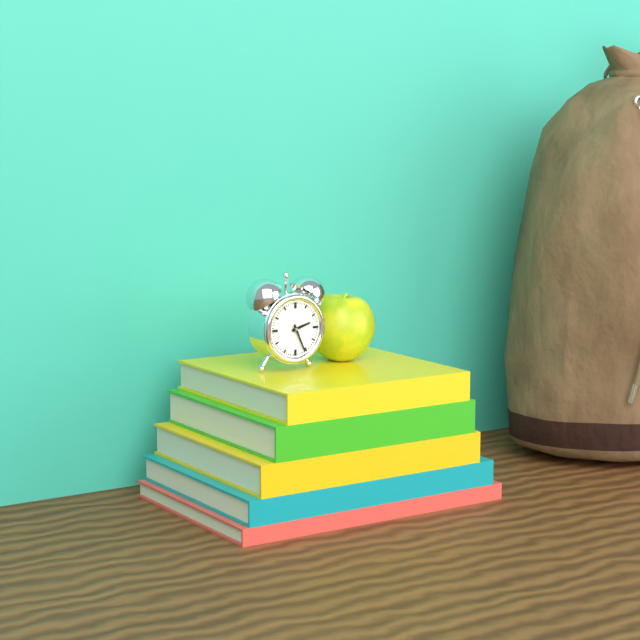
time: **2:26**
